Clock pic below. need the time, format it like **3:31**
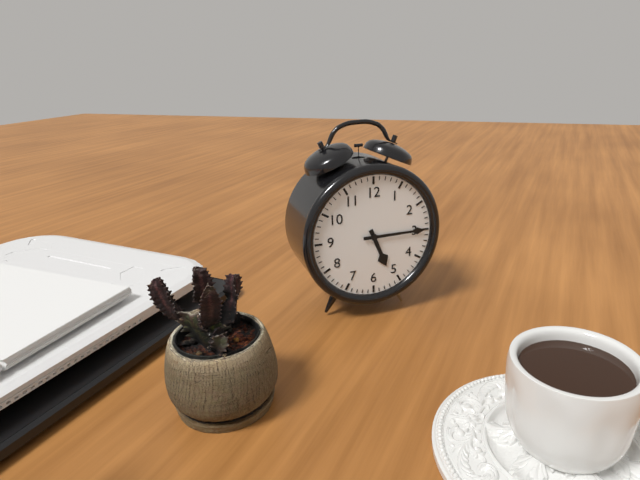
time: **5:15**
